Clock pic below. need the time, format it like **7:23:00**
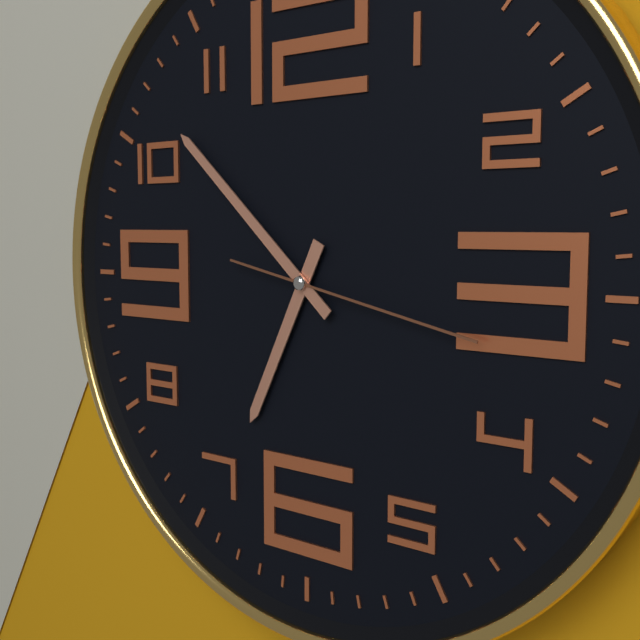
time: **6:52:17**
